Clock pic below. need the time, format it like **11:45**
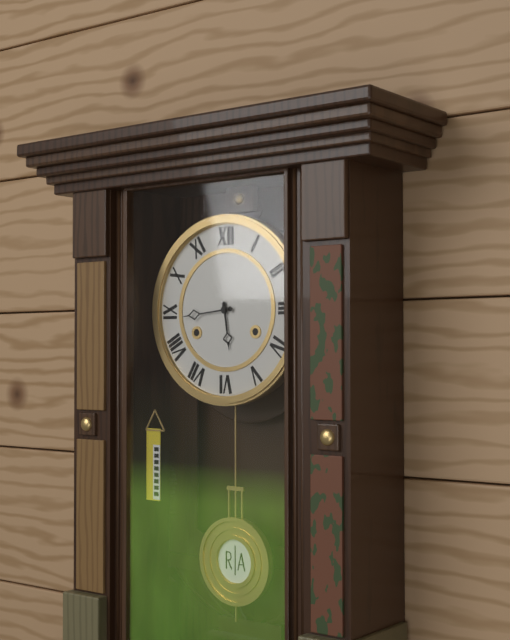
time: **5:44**
